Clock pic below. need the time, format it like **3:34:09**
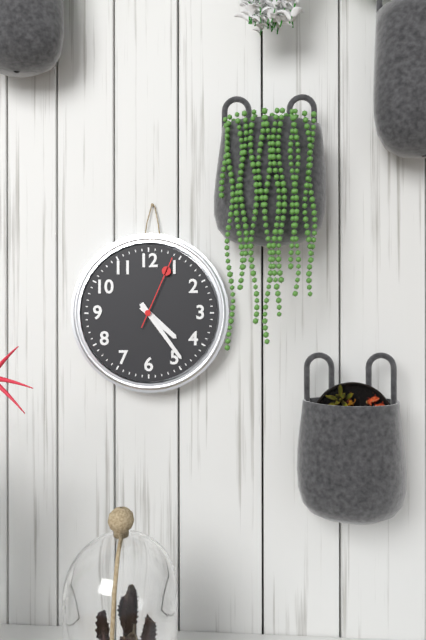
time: **4:24:04**
